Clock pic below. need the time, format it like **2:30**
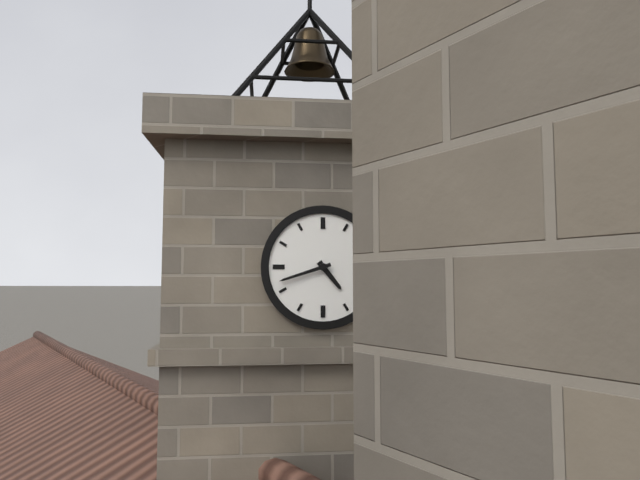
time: **4:42**
